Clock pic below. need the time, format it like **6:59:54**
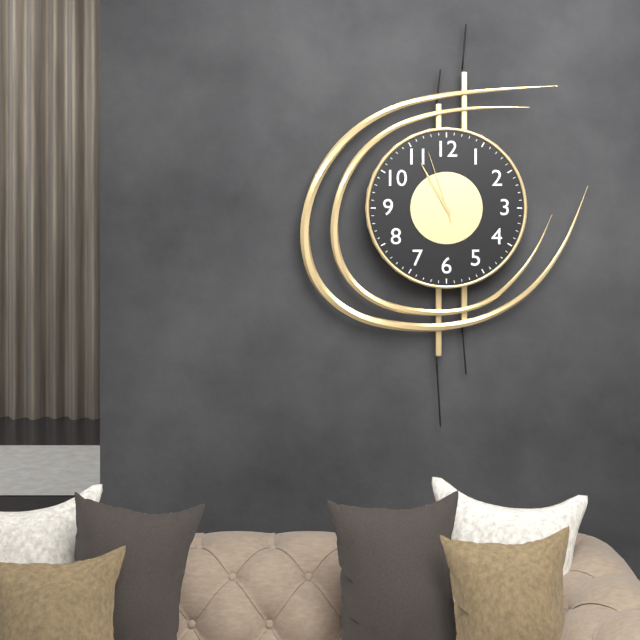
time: **10:55:57**
